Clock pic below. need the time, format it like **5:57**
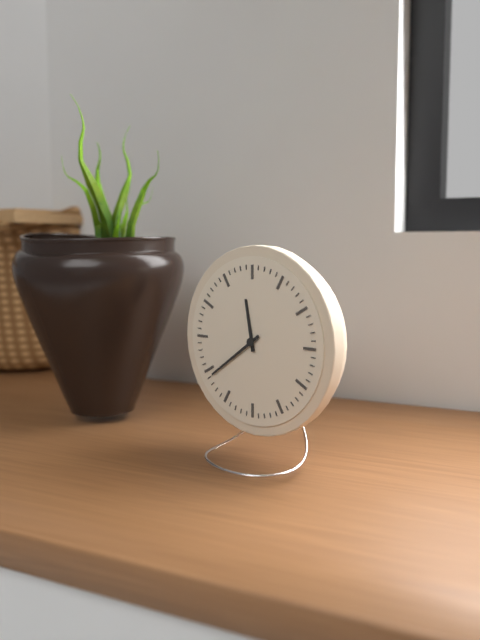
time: **11:39**
